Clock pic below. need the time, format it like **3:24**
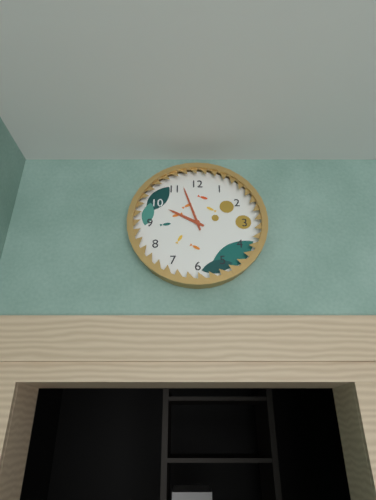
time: **9:57**
